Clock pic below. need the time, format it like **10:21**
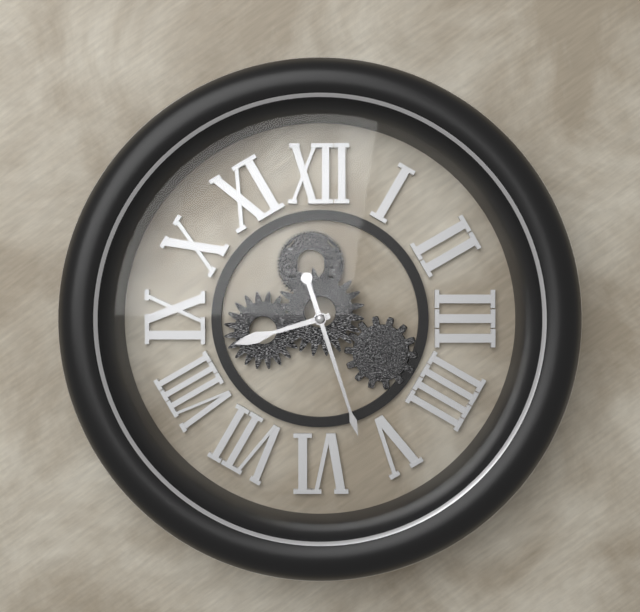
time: **8:27**
